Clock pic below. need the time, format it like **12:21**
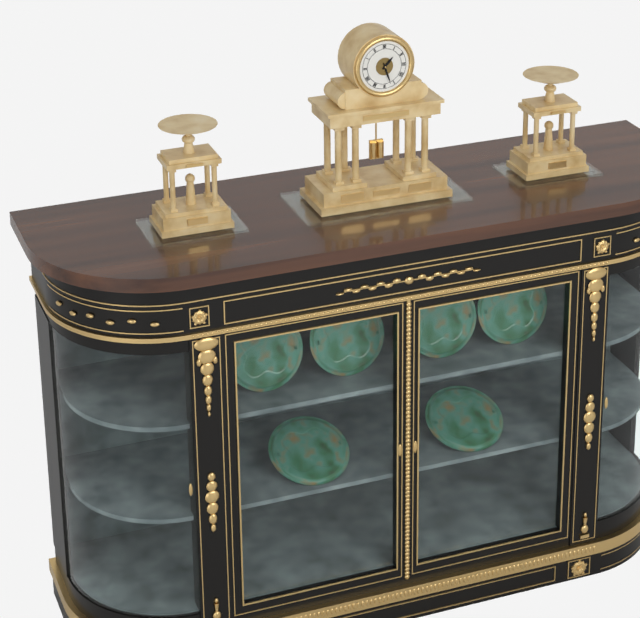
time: **1:27**
